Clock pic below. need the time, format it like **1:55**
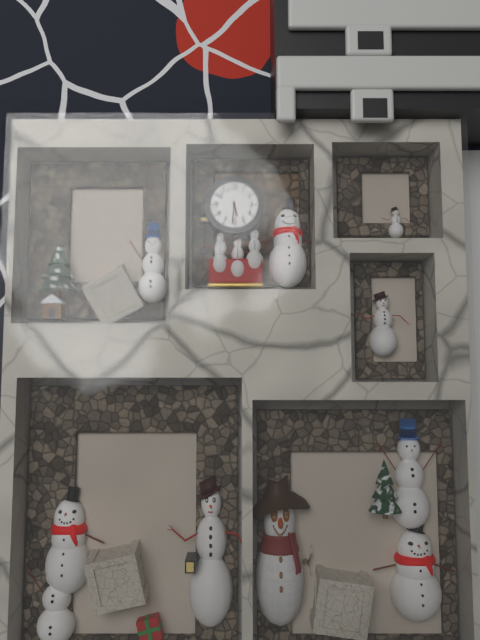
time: **5:31**
